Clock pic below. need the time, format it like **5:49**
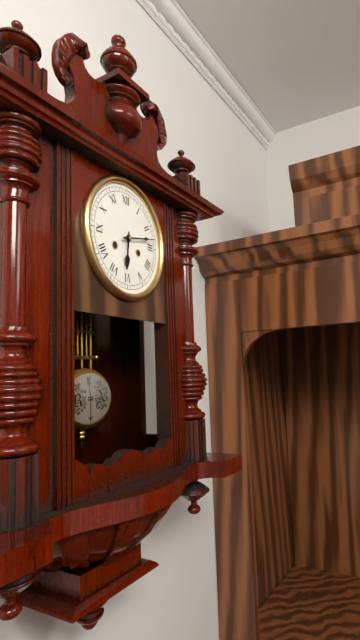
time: **6:13**
